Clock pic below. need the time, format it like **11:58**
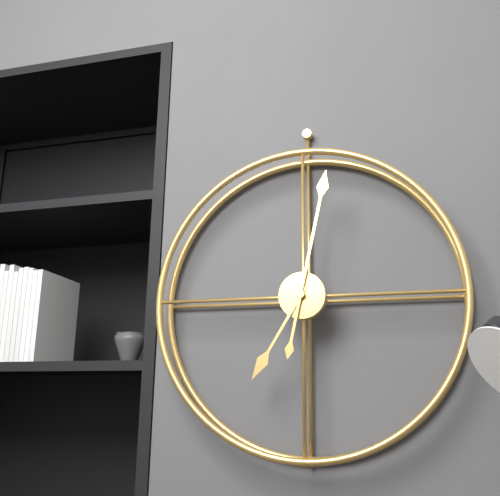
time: **7:02**
